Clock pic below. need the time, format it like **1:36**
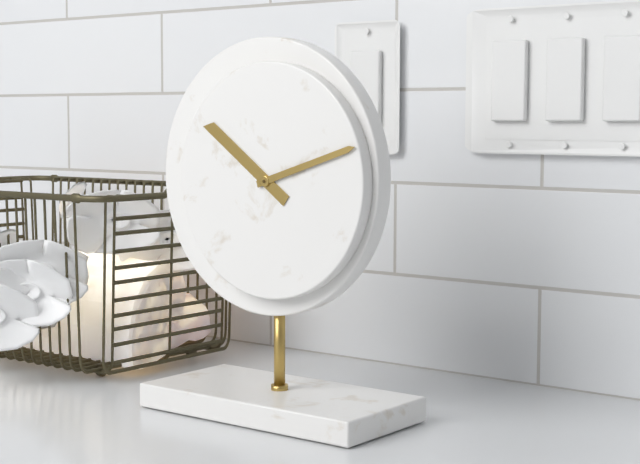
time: **10:12**
